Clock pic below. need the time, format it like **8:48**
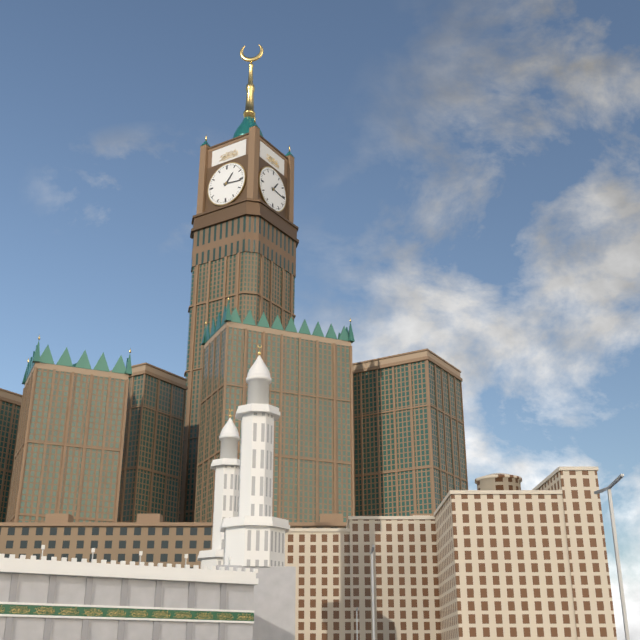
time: **1:16**
